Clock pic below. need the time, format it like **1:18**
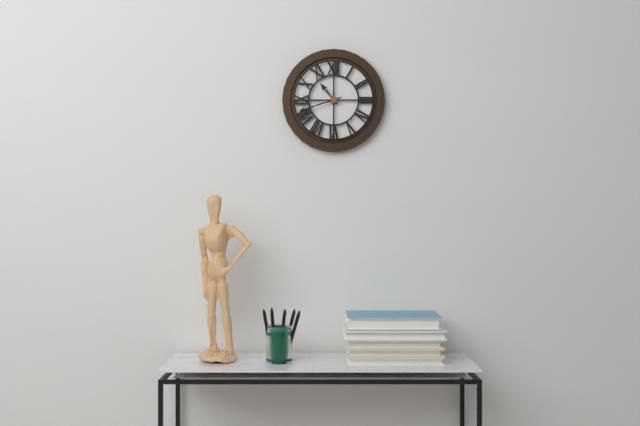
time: **10:42**
